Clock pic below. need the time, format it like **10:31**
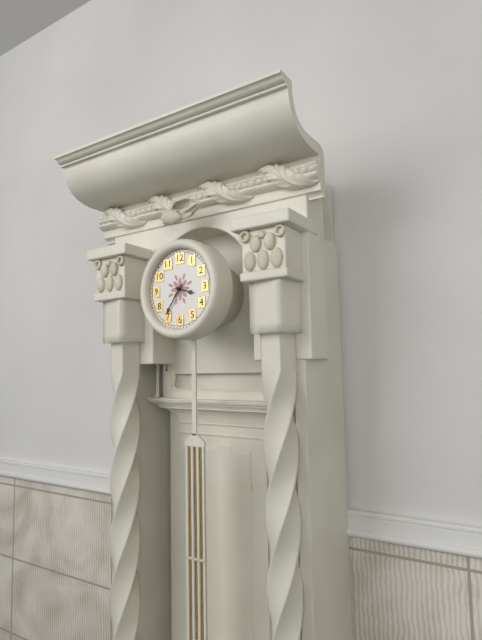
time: **3:36**
